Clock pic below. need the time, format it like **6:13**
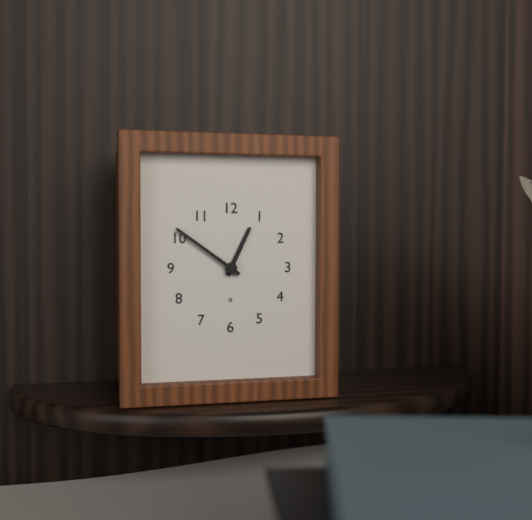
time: **12:51**
